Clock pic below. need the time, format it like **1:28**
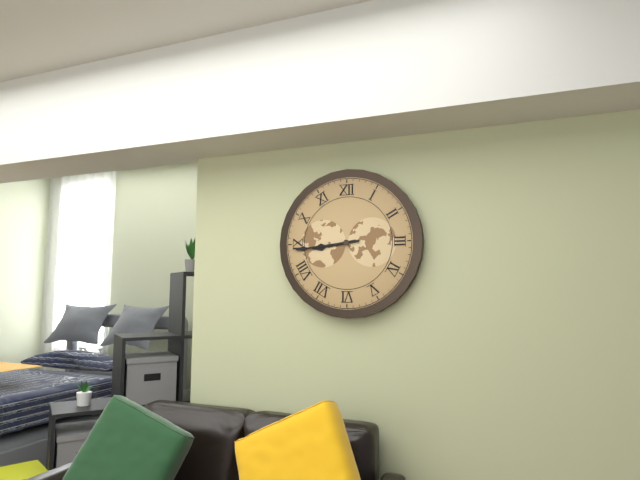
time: **8:44**
